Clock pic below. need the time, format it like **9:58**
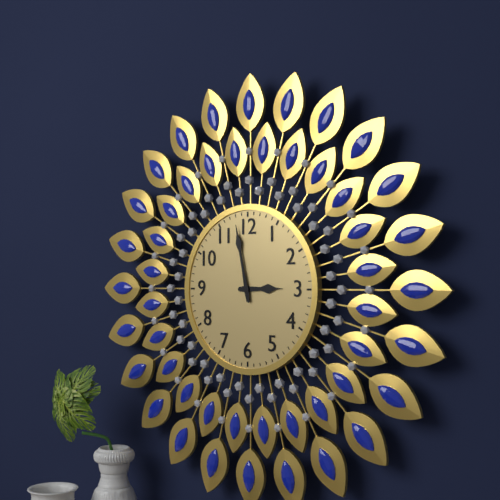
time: **2:58**
